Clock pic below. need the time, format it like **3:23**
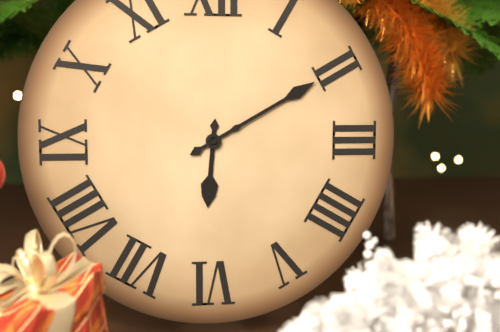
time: **6:10**
